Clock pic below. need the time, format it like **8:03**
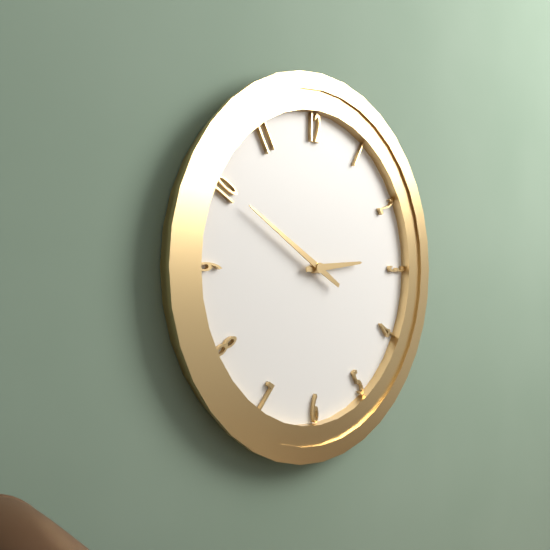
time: **2:50**
